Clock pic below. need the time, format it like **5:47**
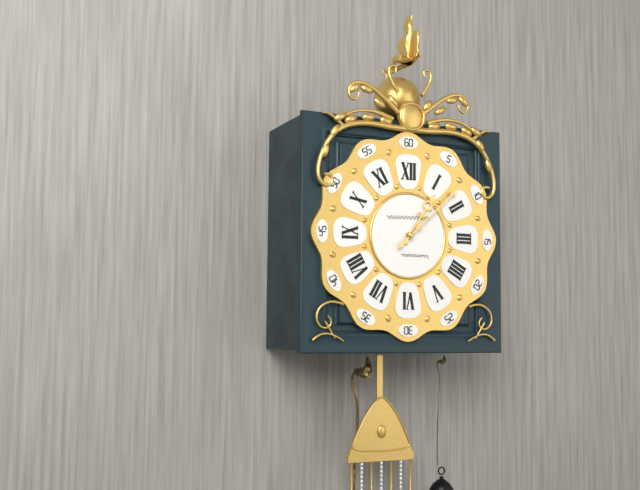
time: **1:08**
